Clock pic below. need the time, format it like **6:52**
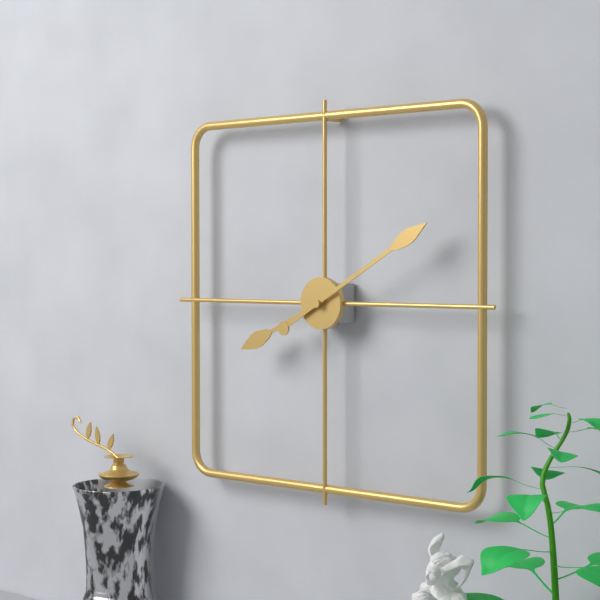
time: **8:10**
